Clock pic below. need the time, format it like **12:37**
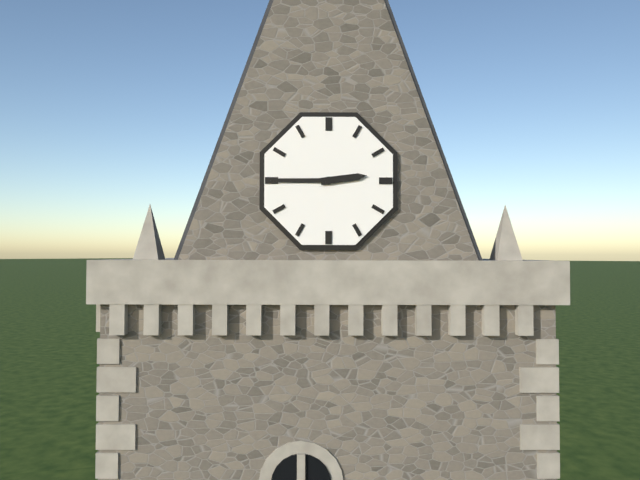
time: **2:45**
